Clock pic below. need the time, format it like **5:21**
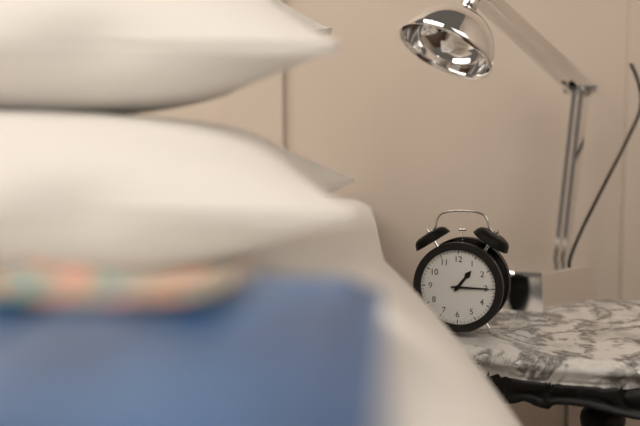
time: **1:15**
